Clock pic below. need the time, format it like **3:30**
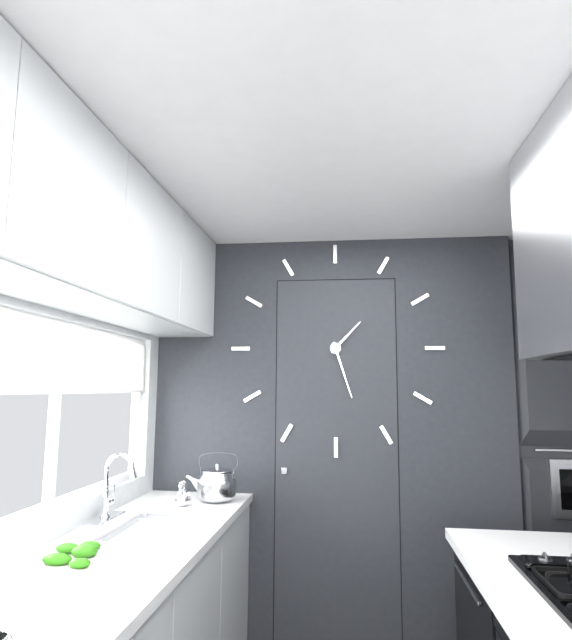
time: **1:27**
